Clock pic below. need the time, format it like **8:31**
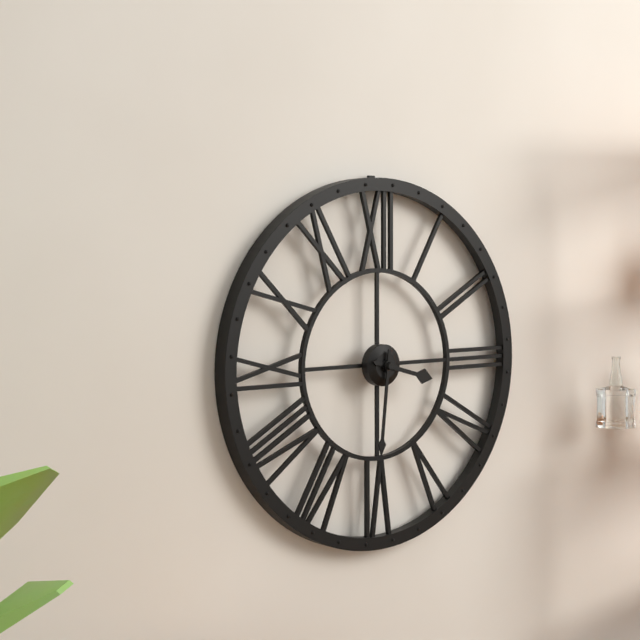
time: **3:31**
